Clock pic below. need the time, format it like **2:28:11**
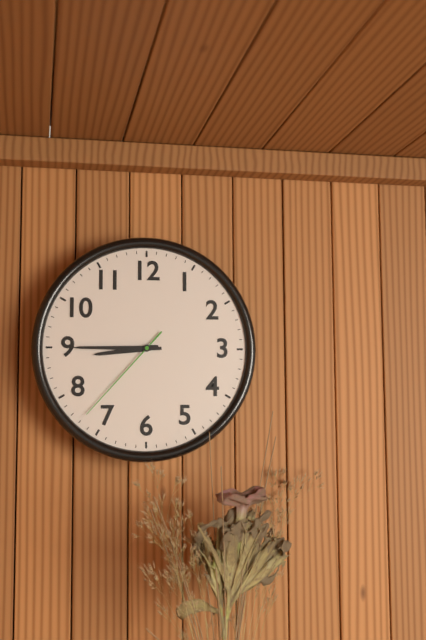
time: **8:45:37**
